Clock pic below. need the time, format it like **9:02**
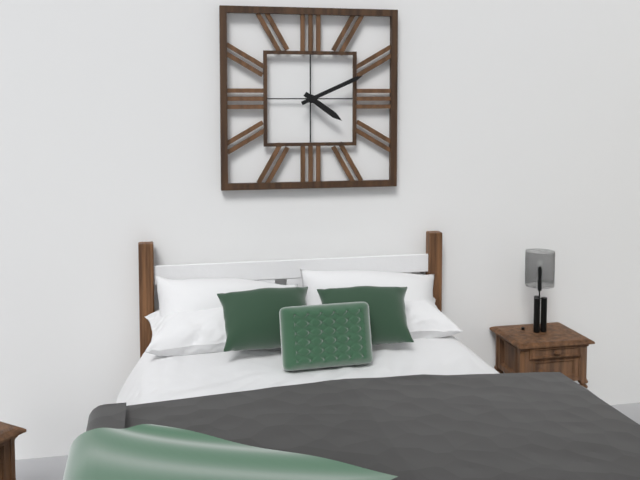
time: **4:11**
